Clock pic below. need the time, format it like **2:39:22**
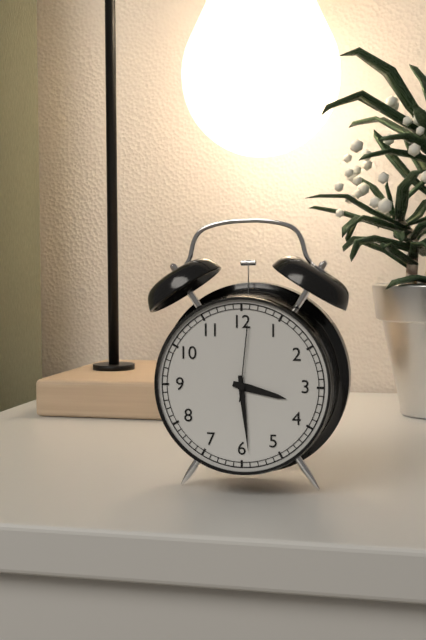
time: **3:29:01**
